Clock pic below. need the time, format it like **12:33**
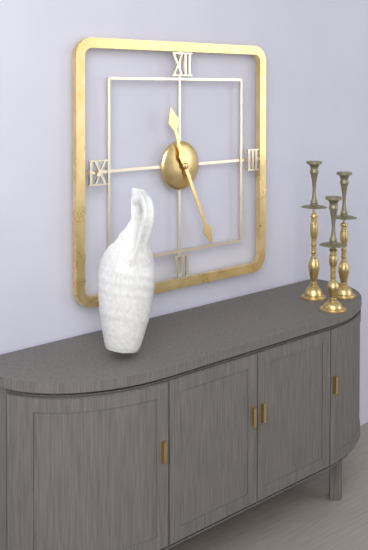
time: **11:26**
